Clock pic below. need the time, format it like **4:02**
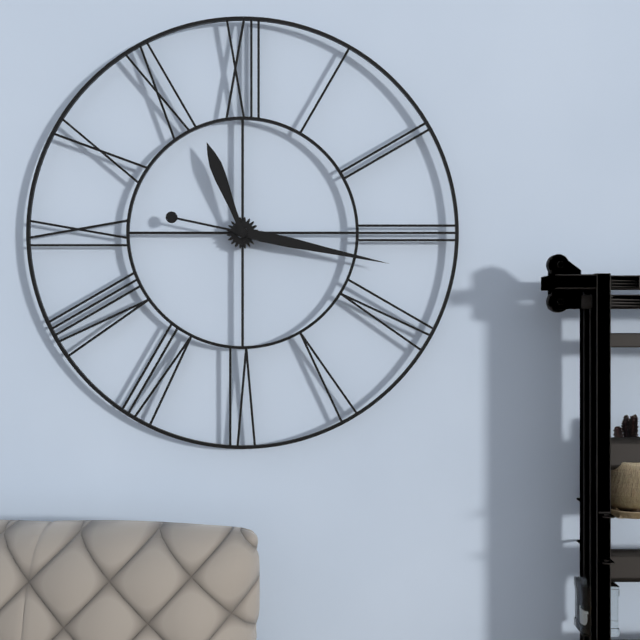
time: **11:17**
